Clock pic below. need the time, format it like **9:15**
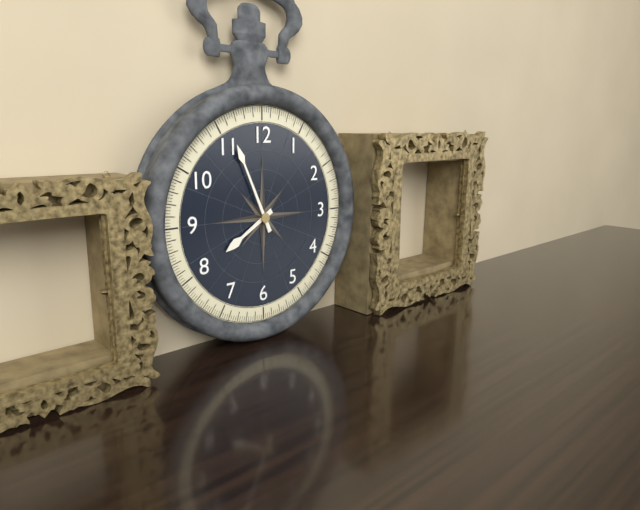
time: **7:56**
